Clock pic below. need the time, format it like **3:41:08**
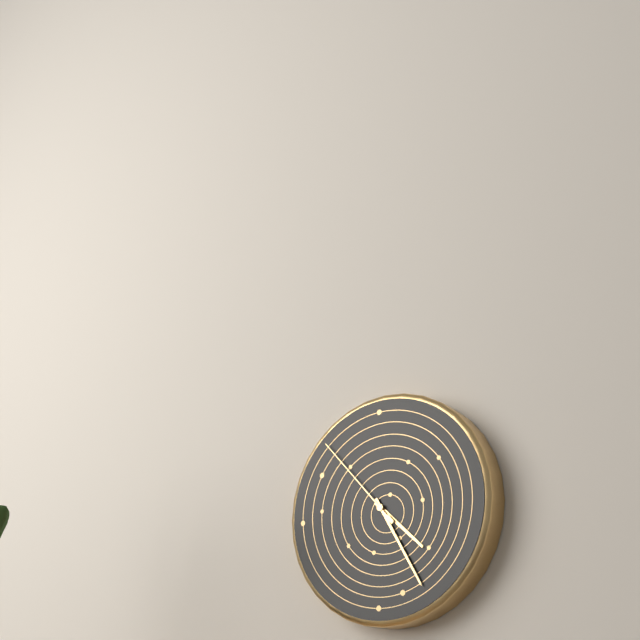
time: **4:25:53**
